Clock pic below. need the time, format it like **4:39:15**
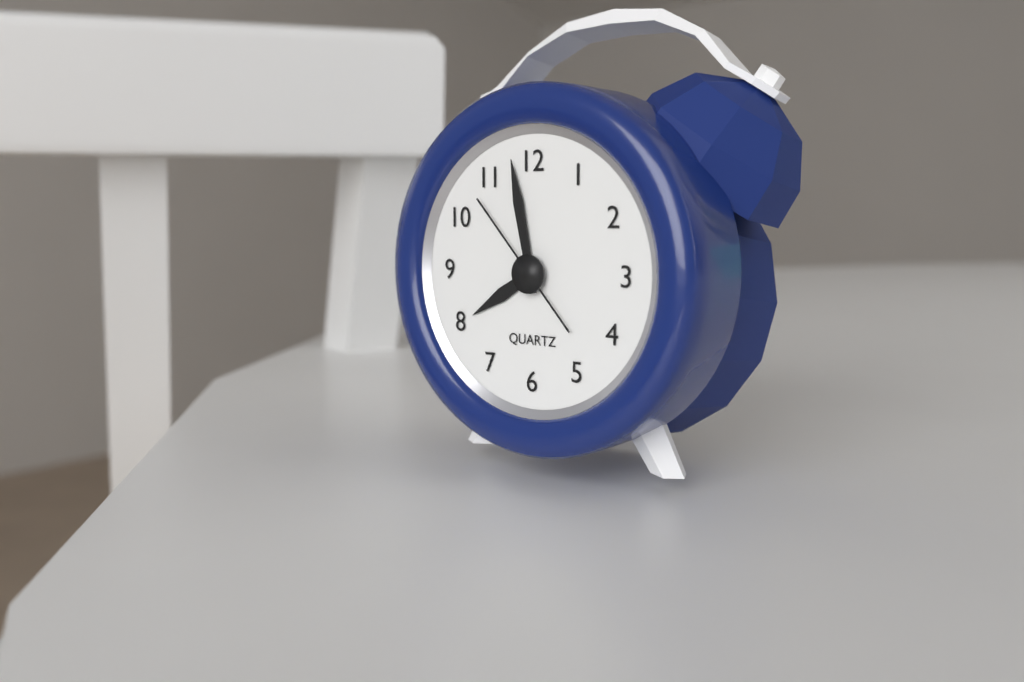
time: **7:58:53**
